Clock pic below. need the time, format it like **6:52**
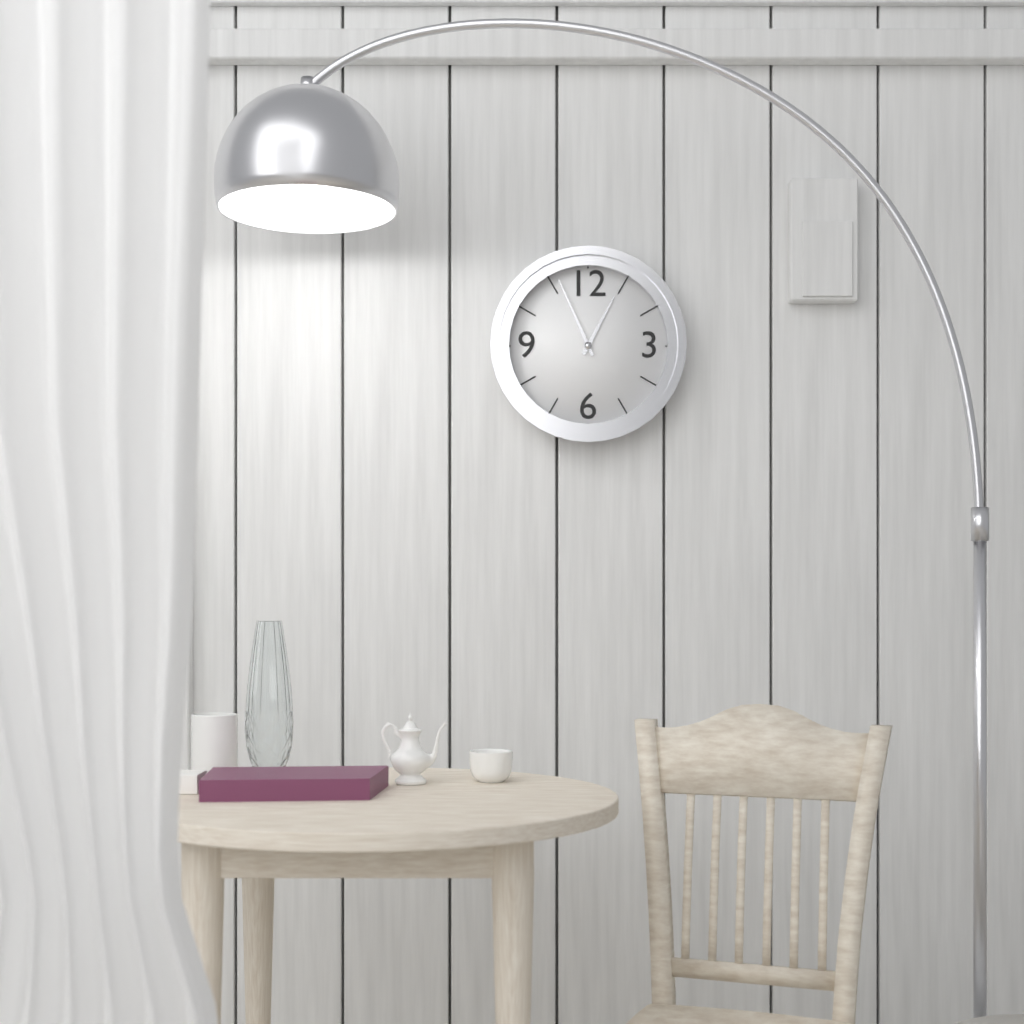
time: **12:56**
